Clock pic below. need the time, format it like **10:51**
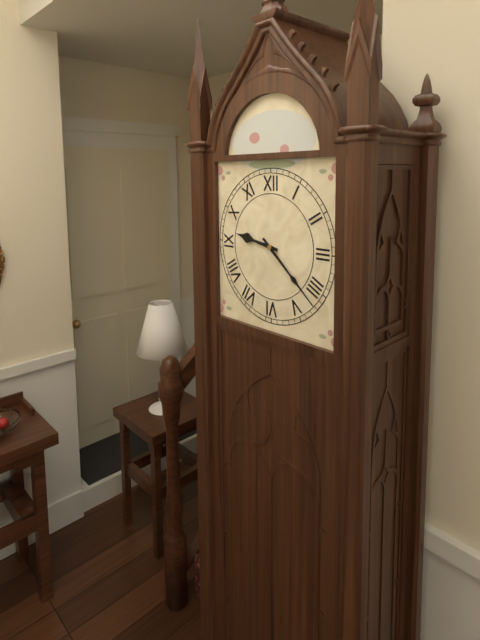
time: **9:22**
